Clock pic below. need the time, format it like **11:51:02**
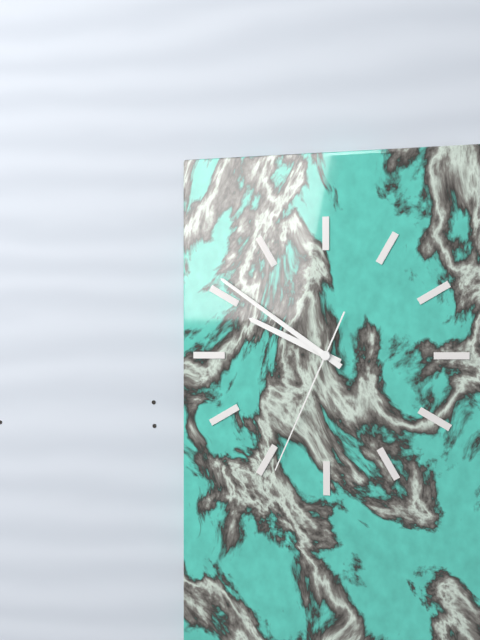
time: **9:51:34**
